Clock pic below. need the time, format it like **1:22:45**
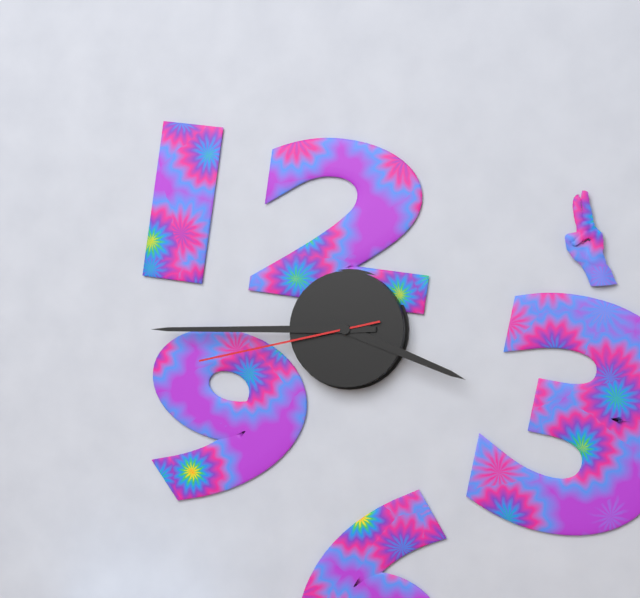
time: **3:45:43**
